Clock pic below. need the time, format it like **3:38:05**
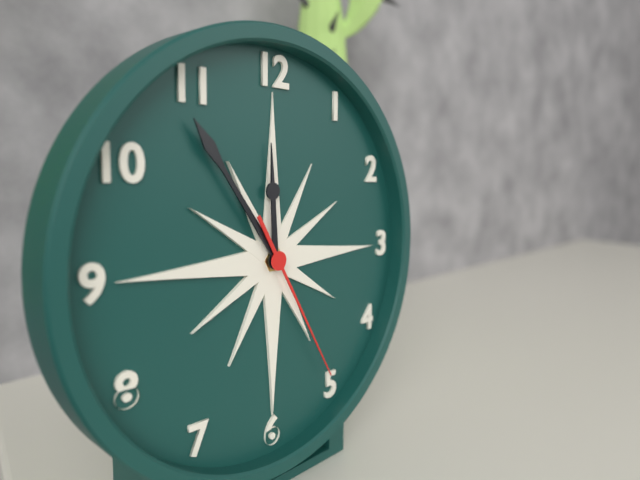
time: **11:54:25**
